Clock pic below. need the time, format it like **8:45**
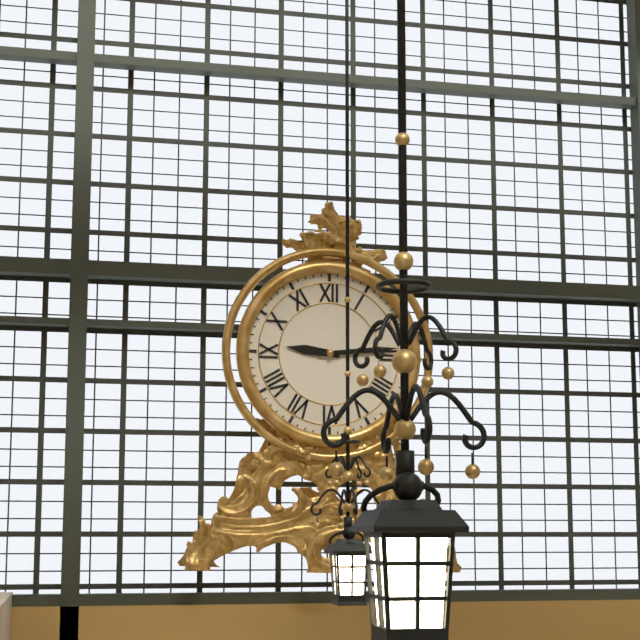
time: **9:14**
